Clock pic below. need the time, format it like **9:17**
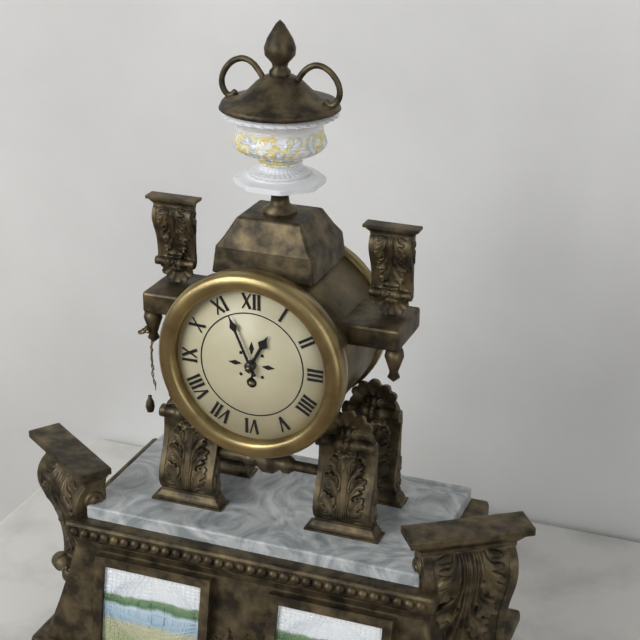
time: **12:56**
